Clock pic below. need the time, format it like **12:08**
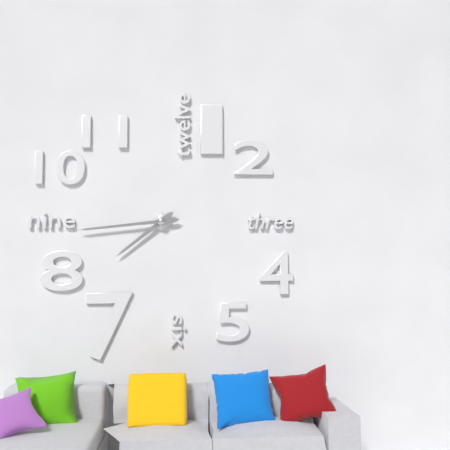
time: **7:44**
